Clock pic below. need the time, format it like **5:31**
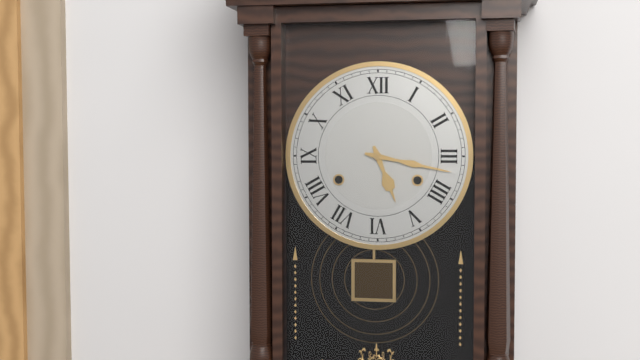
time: **5:17**
